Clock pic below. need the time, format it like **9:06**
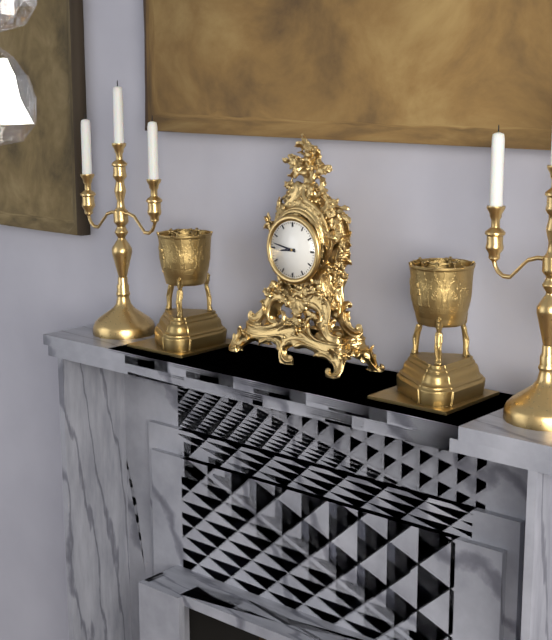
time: **8:47**
